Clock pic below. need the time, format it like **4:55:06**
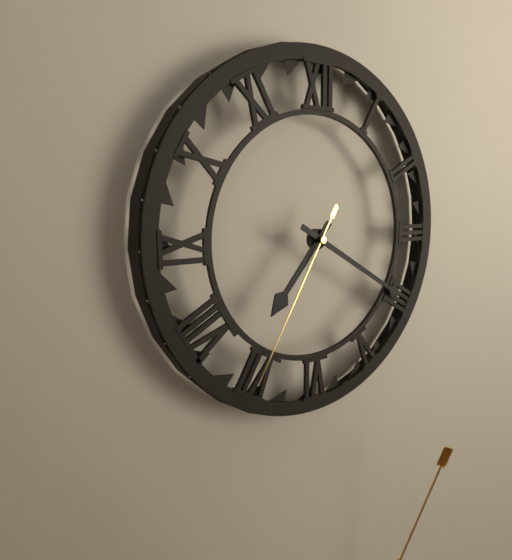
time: **7:20:35**
